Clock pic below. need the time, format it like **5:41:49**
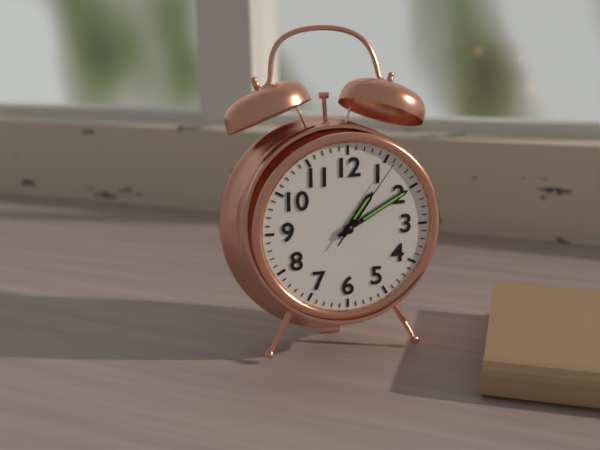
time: **1:10:06**
